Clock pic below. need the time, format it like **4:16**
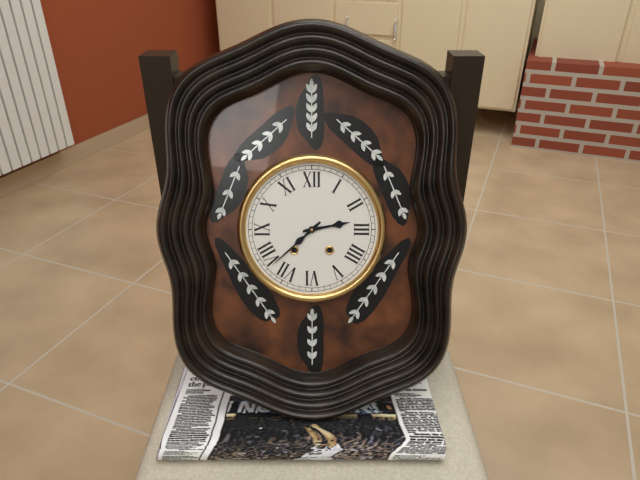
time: **2:38**
